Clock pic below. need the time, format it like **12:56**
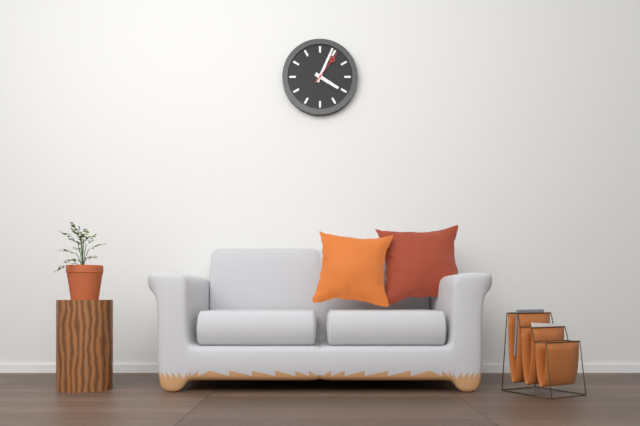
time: **4:04**
